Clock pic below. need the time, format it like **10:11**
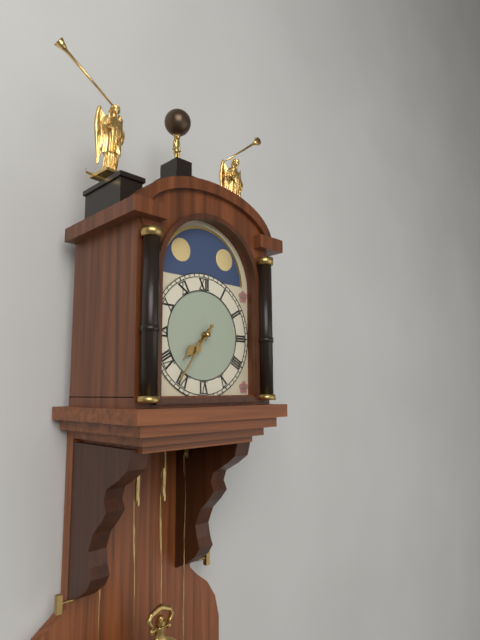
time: **7:36**
